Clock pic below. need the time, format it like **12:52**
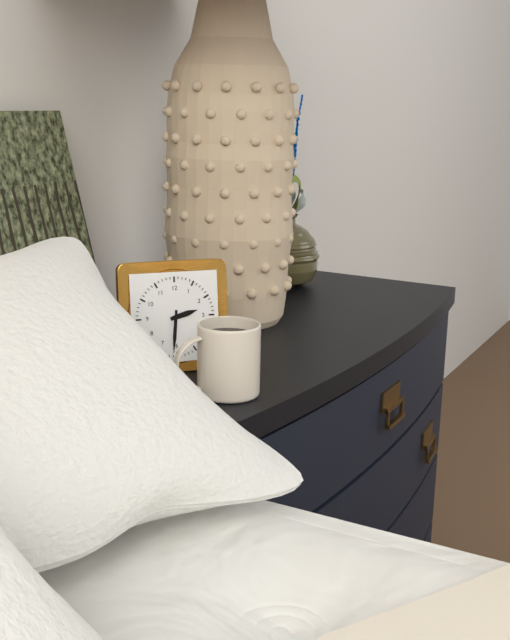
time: **2:31**
